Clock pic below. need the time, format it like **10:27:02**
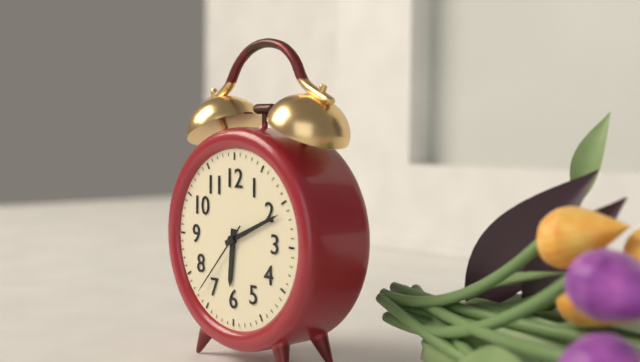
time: **6:11:37**
